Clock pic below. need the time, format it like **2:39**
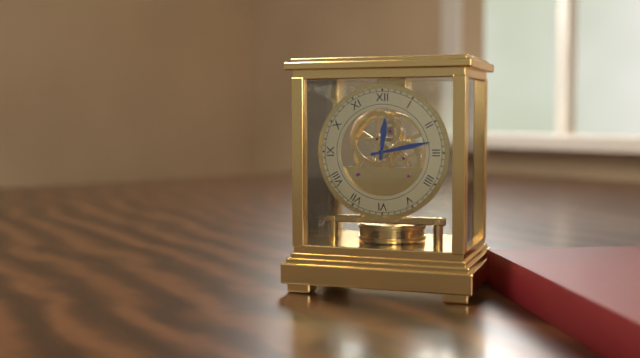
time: **12:13**
